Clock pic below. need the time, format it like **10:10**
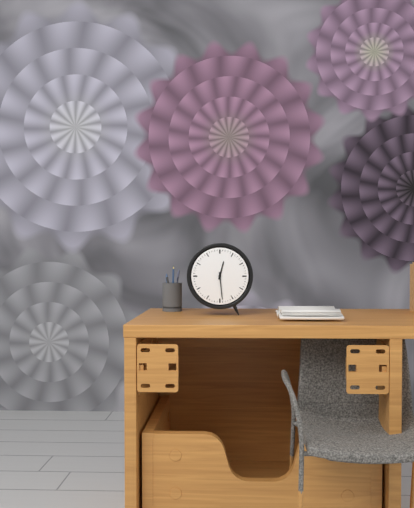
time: **12:29**
